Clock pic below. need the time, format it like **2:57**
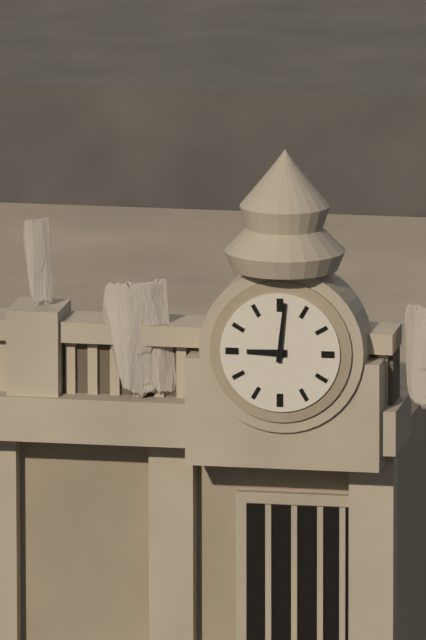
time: **9:01**
